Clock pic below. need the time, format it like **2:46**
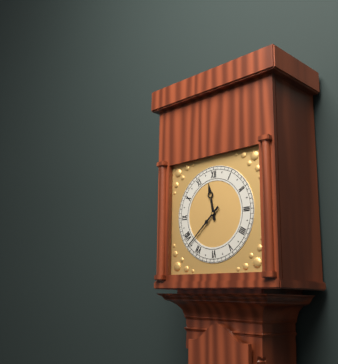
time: **11:38**
